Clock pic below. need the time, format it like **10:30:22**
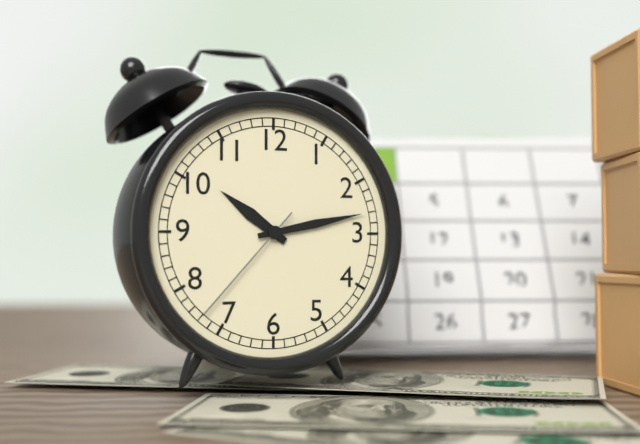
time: **10:13:37**
